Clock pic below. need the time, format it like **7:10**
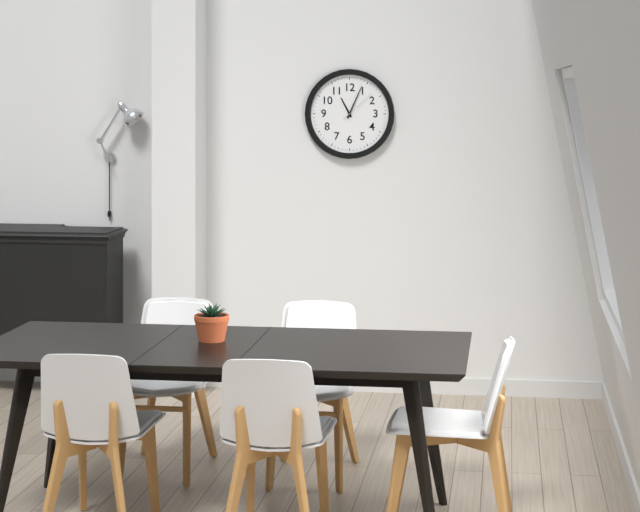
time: **11:04**
